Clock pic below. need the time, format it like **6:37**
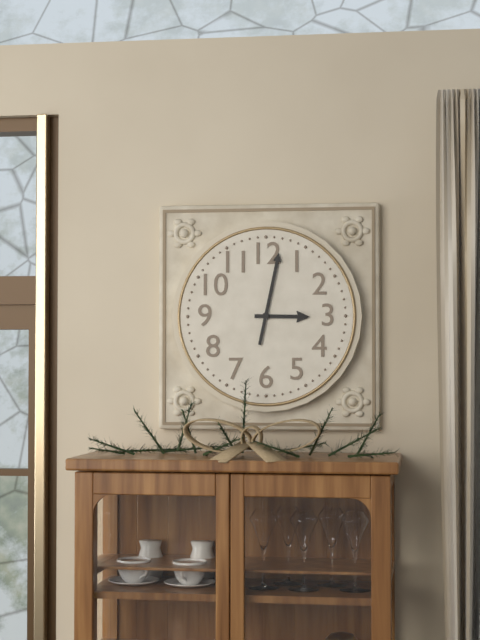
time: **3:02**
